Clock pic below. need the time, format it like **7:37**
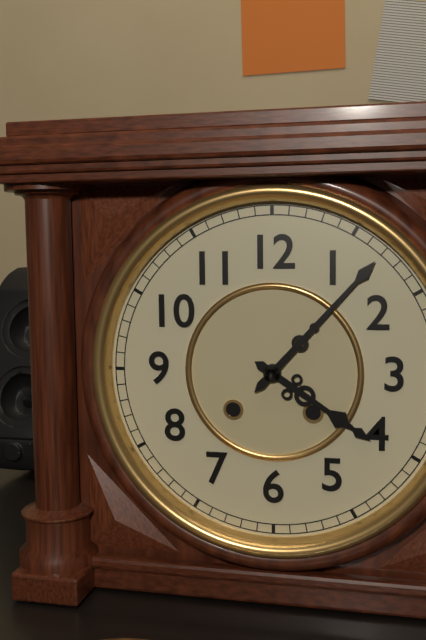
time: **4:07**
